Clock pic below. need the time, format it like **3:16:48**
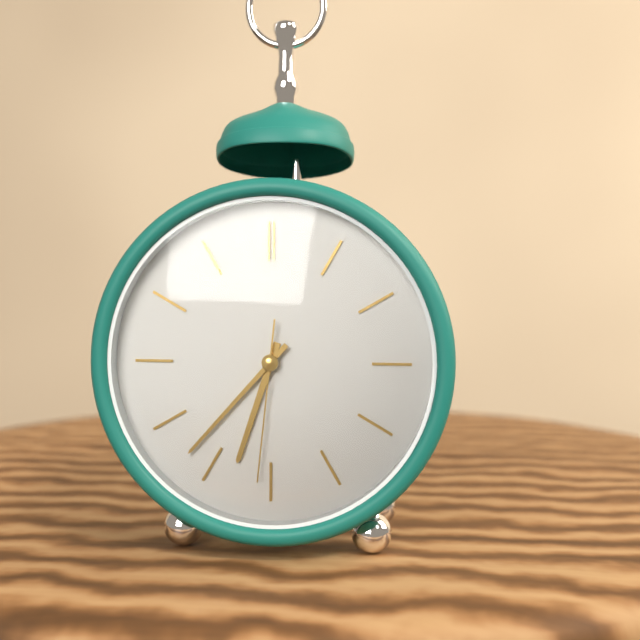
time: **6:37:31**
